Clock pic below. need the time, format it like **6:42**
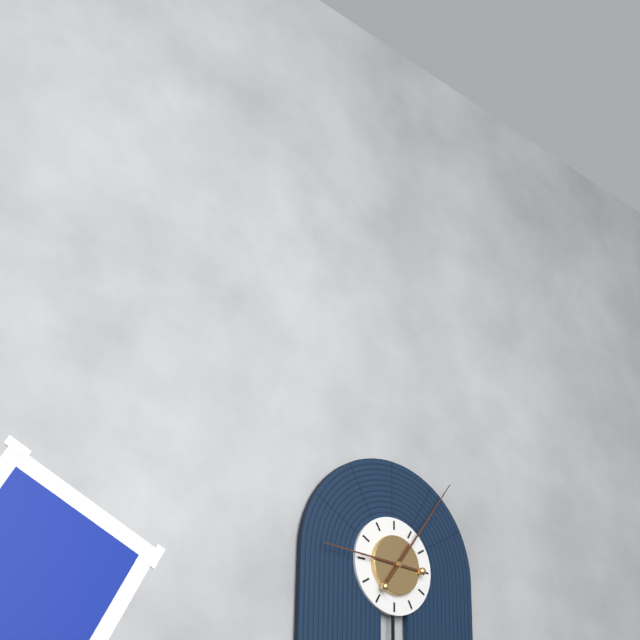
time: **9:06**
